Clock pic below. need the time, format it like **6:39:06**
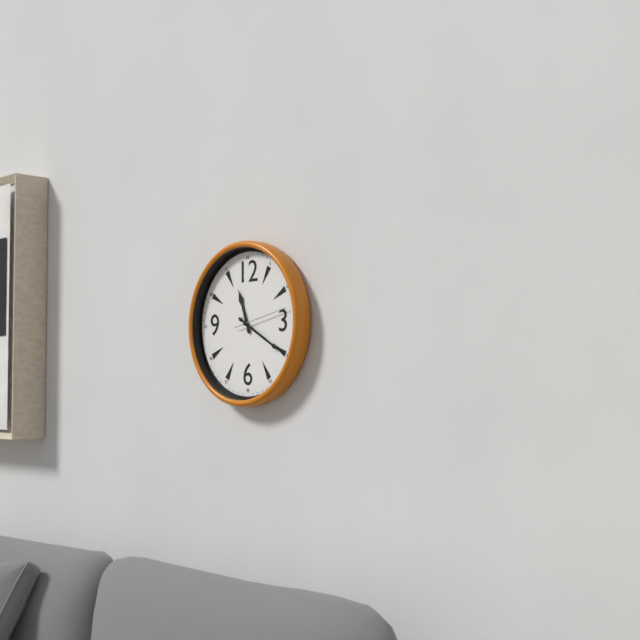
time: **11:20:13**
